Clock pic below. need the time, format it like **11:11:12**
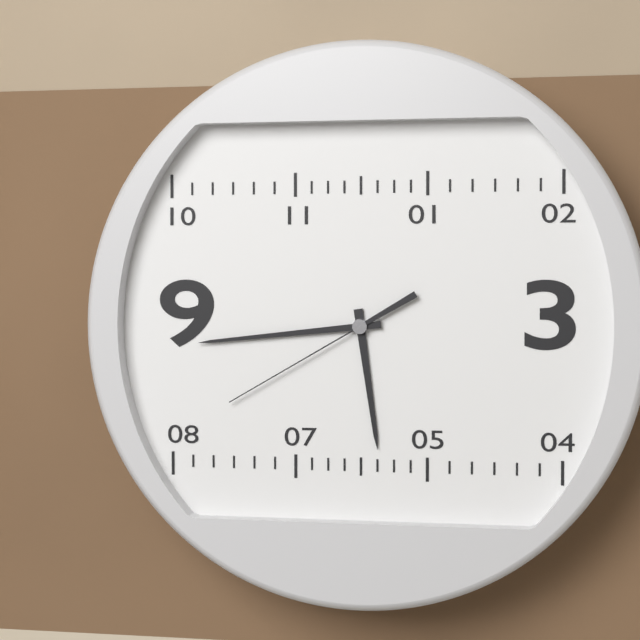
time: **5:44:40**
